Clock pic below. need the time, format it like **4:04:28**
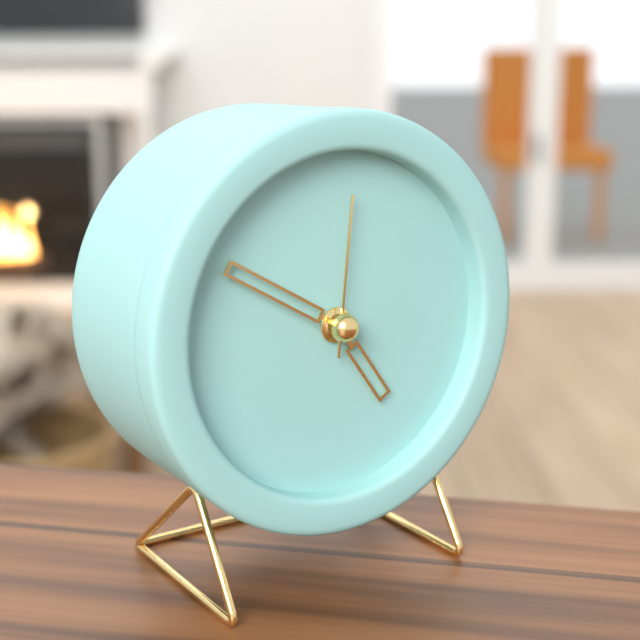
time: **4:50:01**
